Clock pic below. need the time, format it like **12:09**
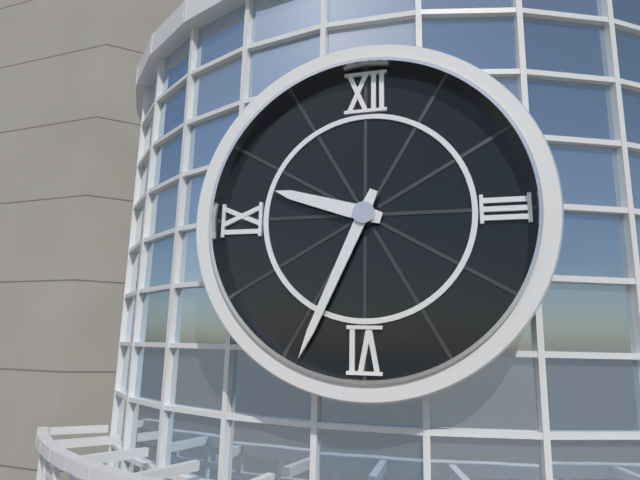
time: **9:34**
